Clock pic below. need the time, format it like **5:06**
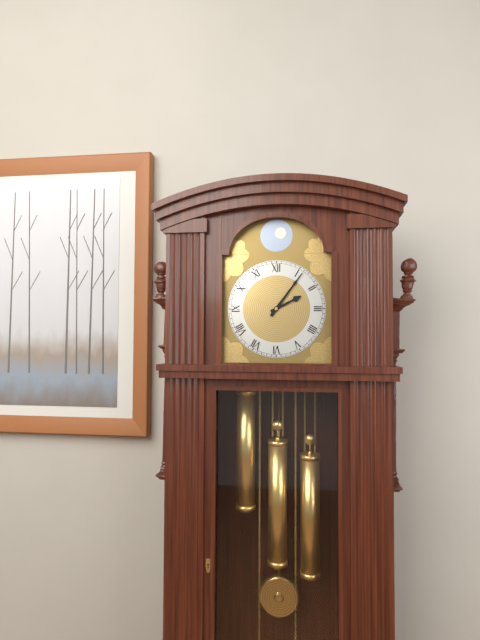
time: **2:06**
